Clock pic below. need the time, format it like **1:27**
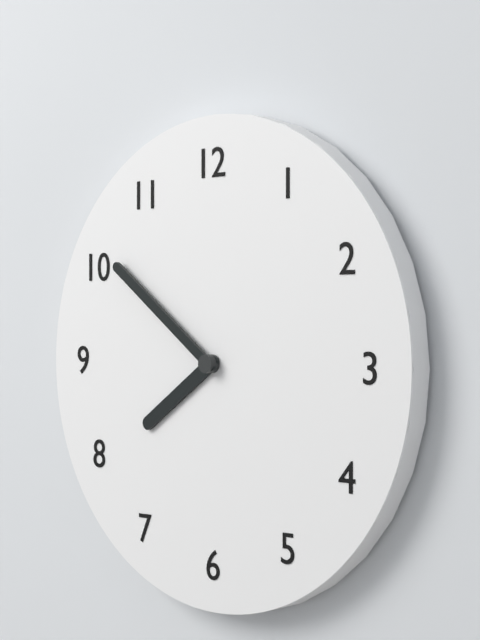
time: **7:51**
